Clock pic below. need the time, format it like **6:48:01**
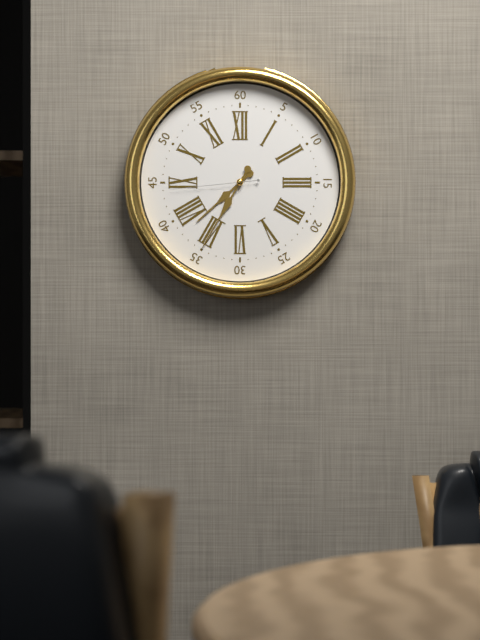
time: **7:35:44**
